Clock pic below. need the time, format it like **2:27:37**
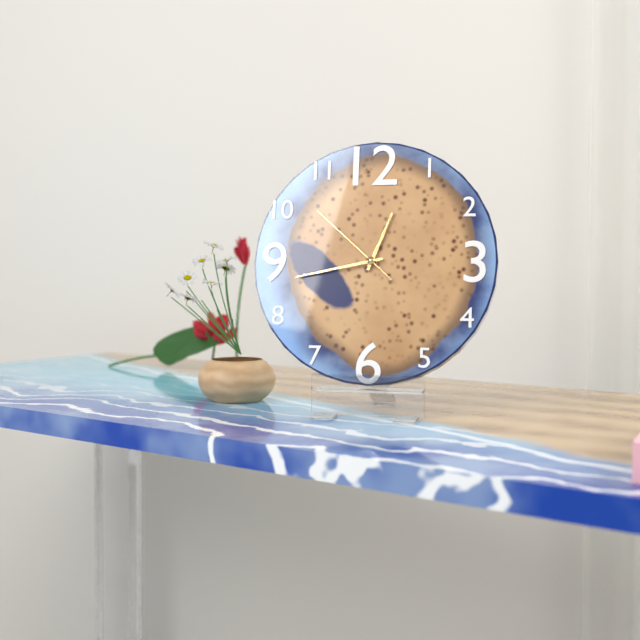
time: **12:43:52**
